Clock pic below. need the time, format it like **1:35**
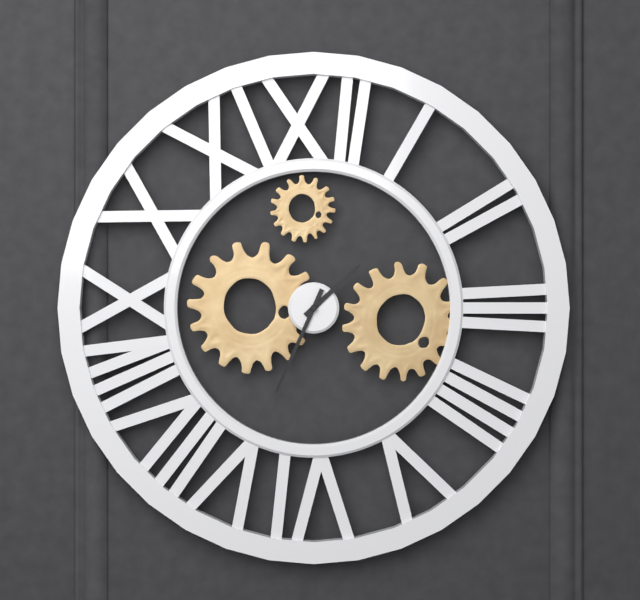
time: **1:34**
